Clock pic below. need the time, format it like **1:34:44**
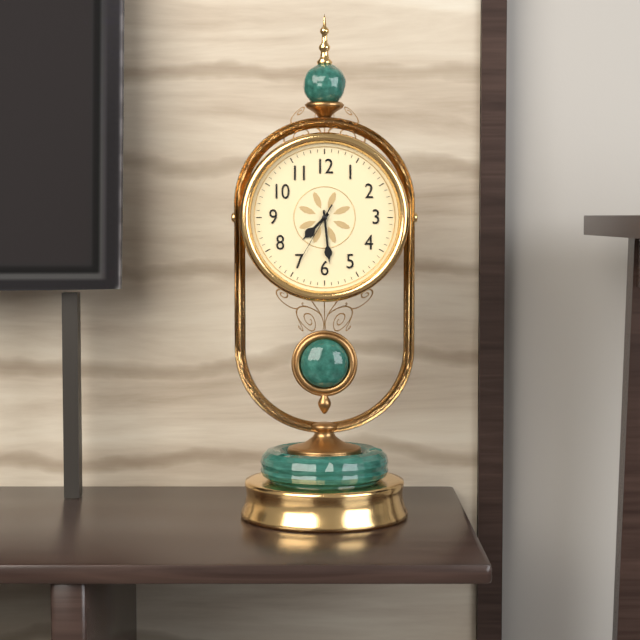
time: **7:29:35**
